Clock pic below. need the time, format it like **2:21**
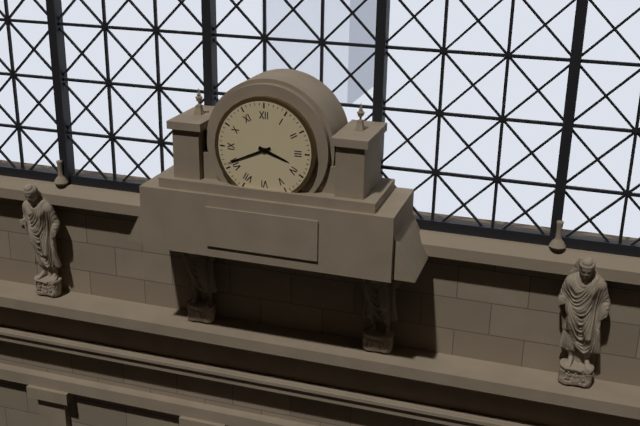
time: **3:41**
